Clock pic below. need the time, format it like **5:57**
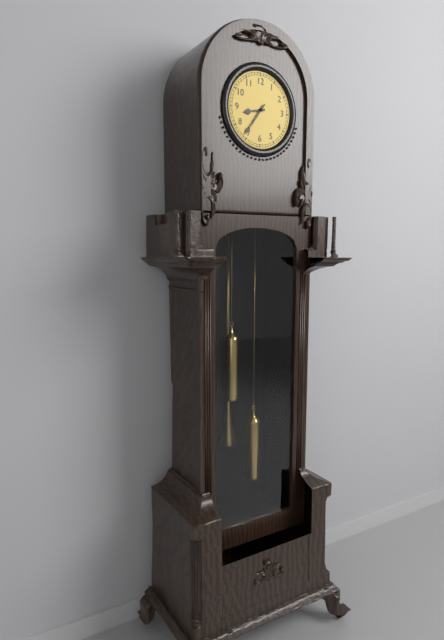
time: **8:36**
